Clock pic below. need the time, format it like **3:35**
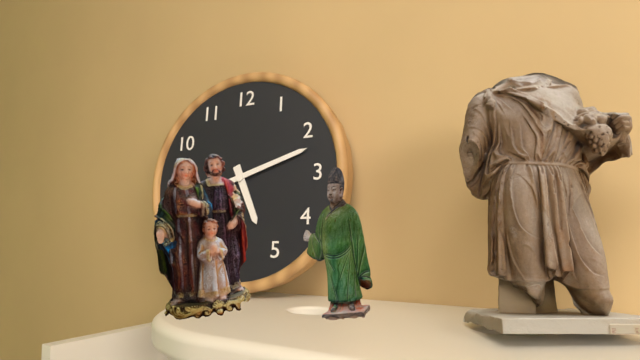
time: **5:12**
